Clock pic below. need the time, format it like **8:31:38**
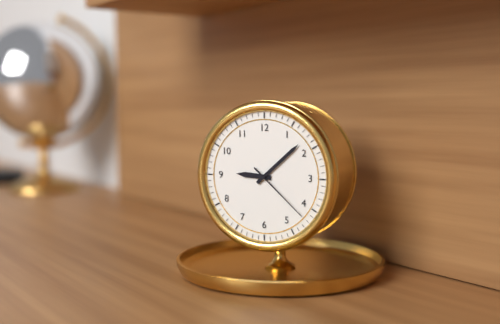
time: **9:08:22**
